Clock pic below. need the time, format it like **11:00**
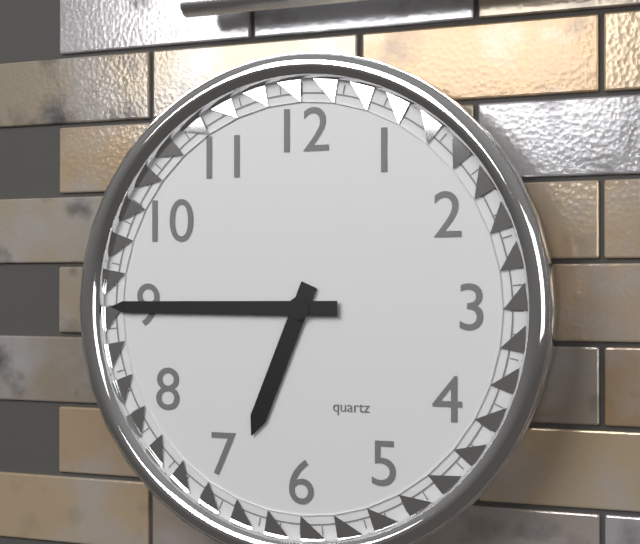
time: **6:45**
